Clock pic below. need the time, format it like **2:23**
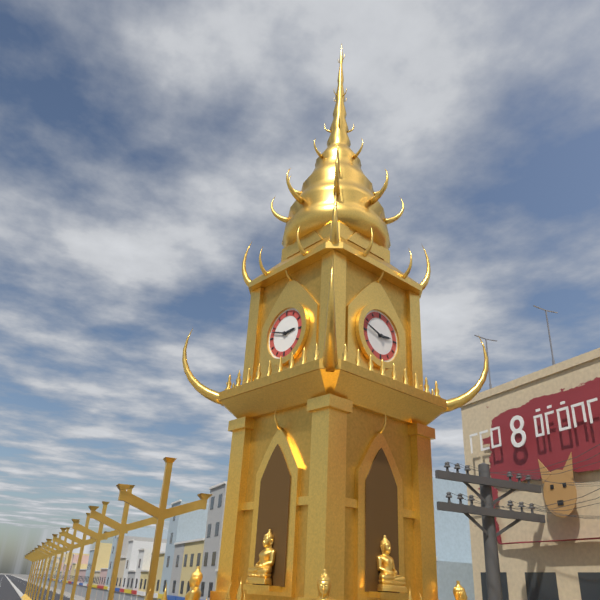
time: **2:48**
